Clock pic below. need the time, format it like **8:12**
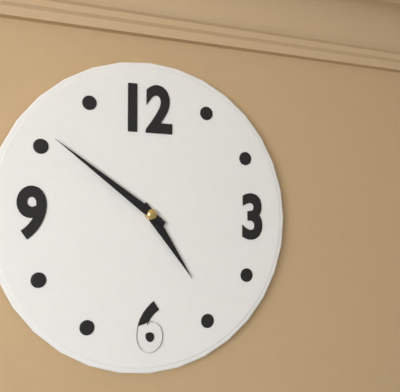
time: **4:51**
